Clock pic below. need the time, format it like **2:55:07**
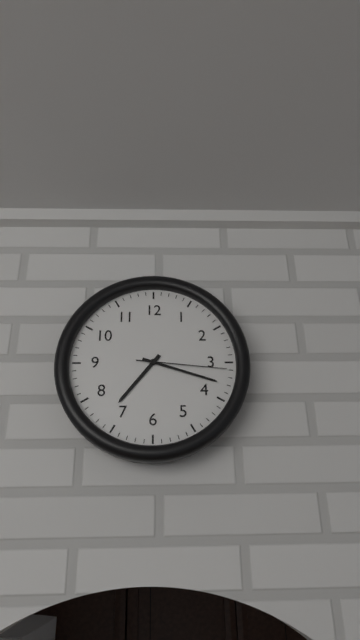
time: **7:18:16**
